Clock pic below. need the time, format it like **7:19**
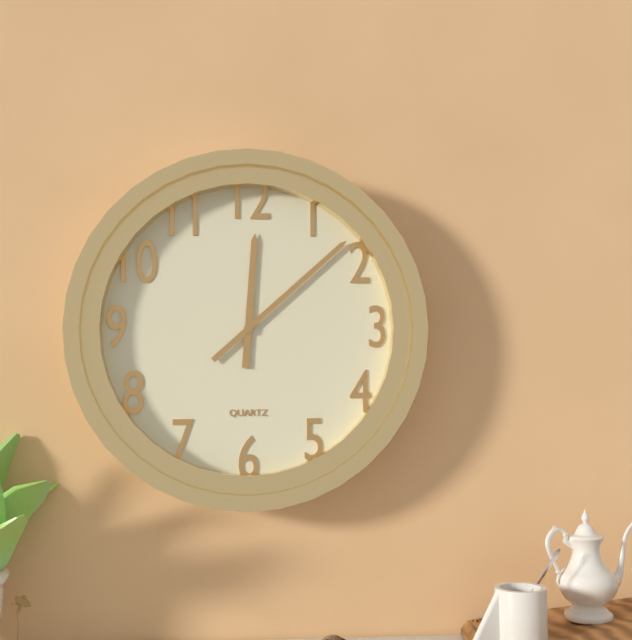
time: **12:08**
